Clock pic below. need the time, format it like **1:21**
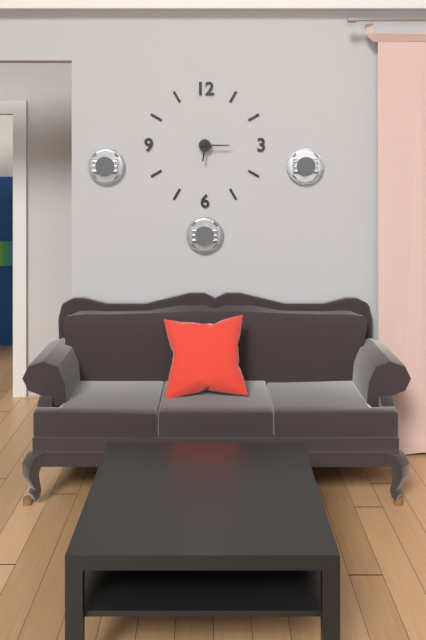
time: **6:15**
